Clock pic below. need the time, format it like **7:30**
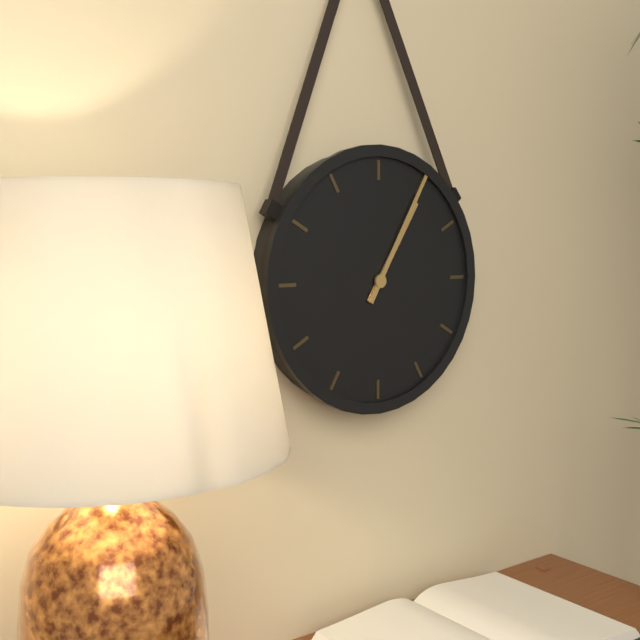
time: **1:05**
